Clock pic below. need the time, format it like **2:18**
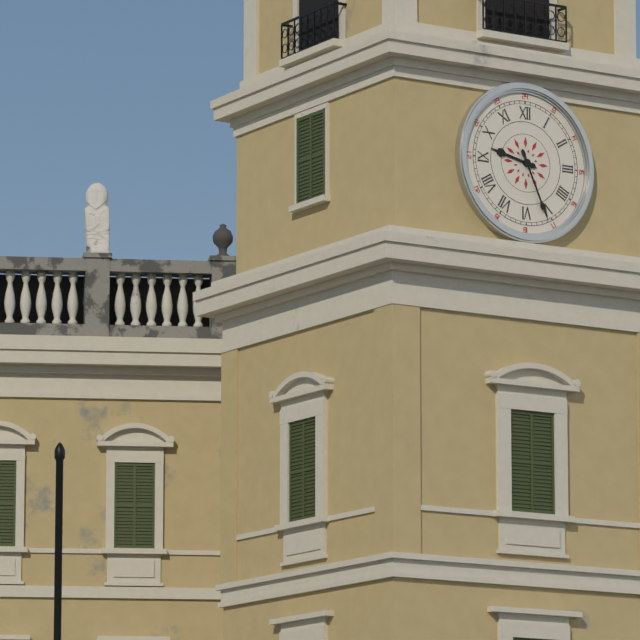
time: **9:26**
